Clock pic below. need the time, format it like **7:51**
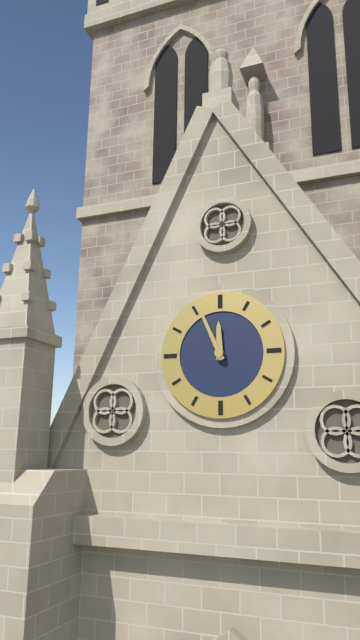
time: **11:56**
